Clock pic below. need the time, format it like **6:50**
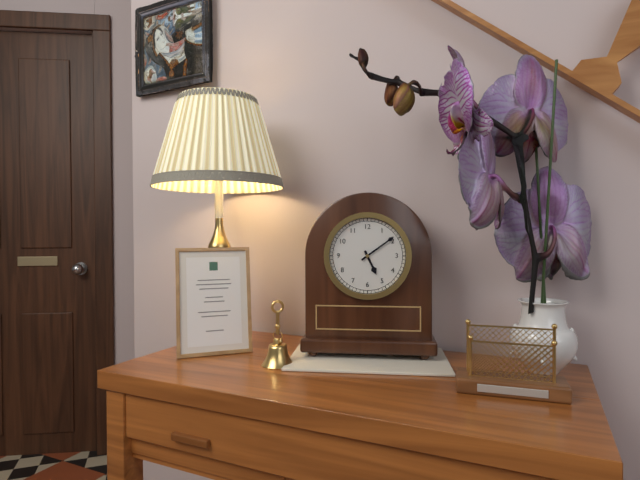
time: **5:09**
